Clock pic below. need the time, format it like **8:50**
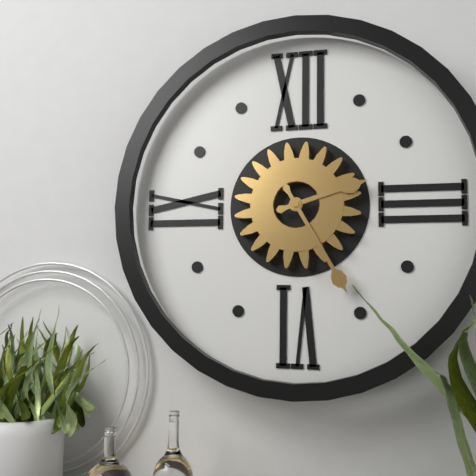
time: **2:25**
